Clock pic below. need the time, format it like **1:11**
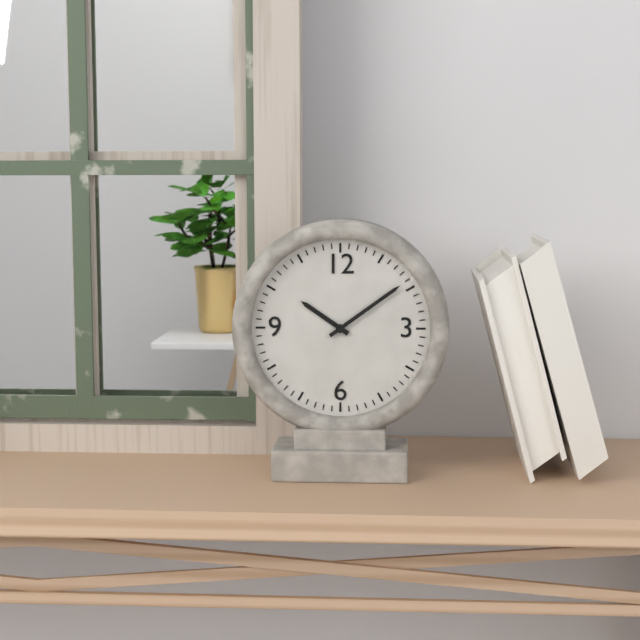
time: **10:09**
